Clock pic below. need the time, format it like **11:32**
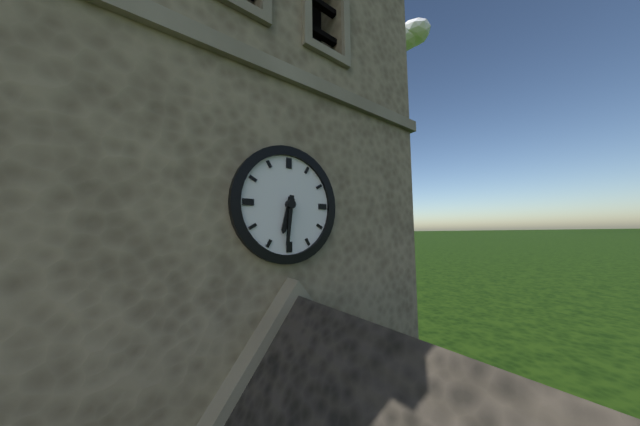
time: **6:31**
